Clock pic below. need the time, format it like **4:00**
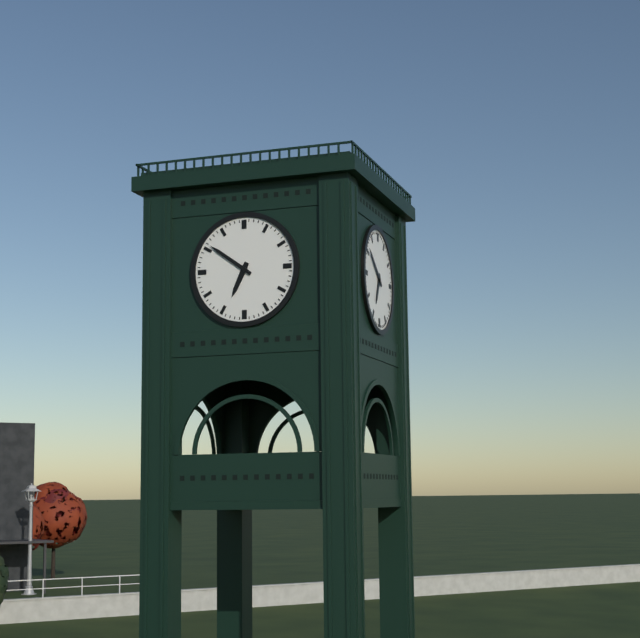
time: **6:51**
